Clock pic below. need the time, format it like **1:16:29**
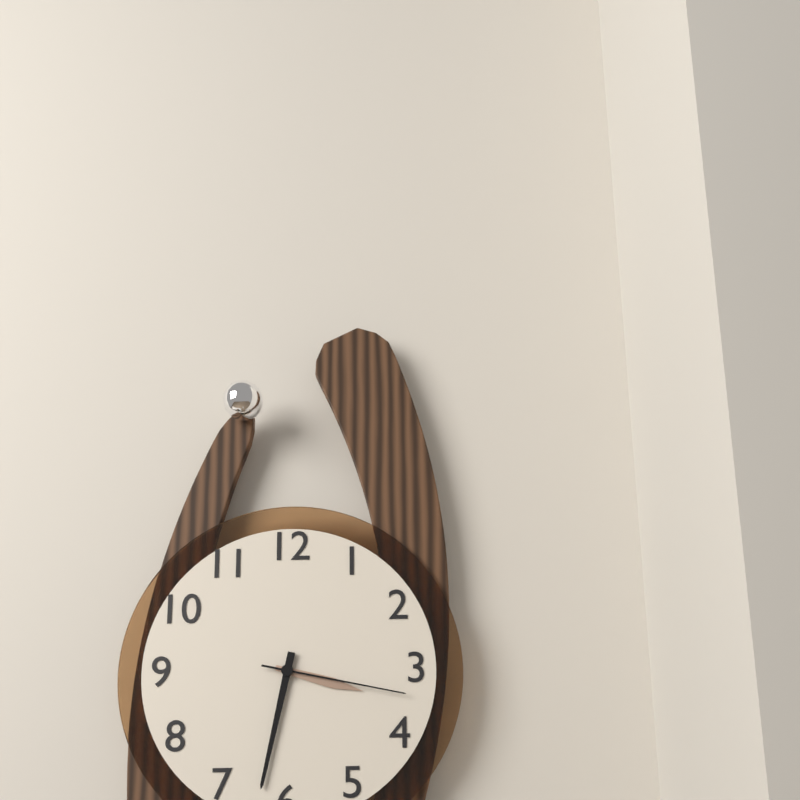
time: **3:32:17**
